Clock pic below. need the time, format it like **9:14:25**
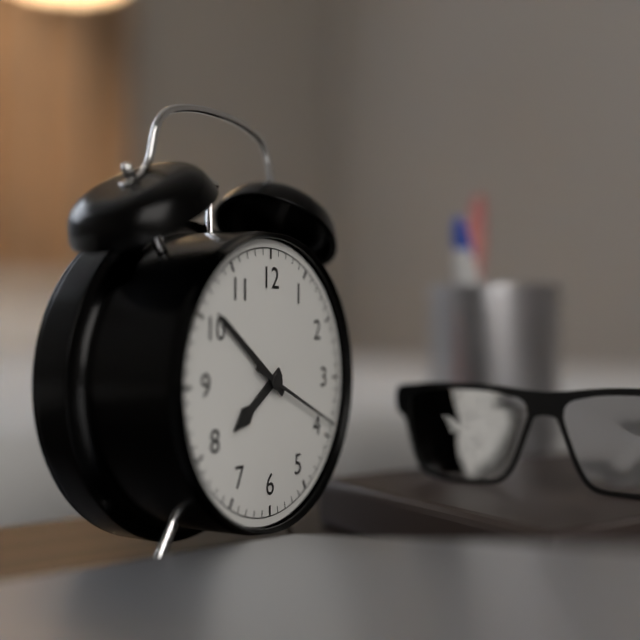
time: **7:51:19**
